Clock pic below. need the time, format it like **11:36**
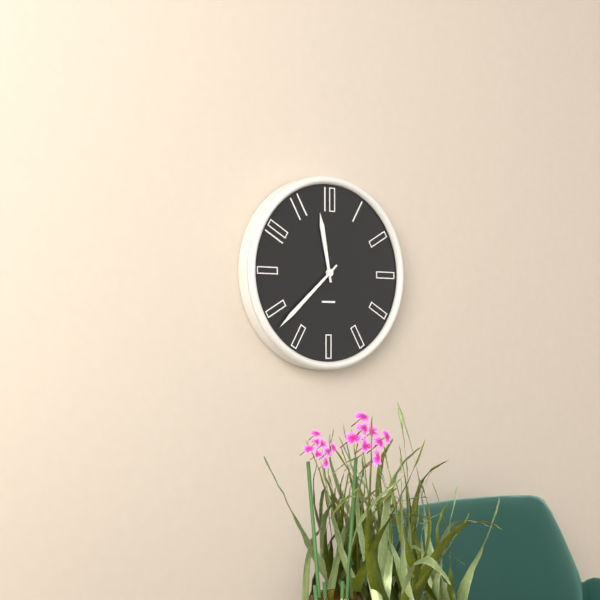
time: **11:38**
